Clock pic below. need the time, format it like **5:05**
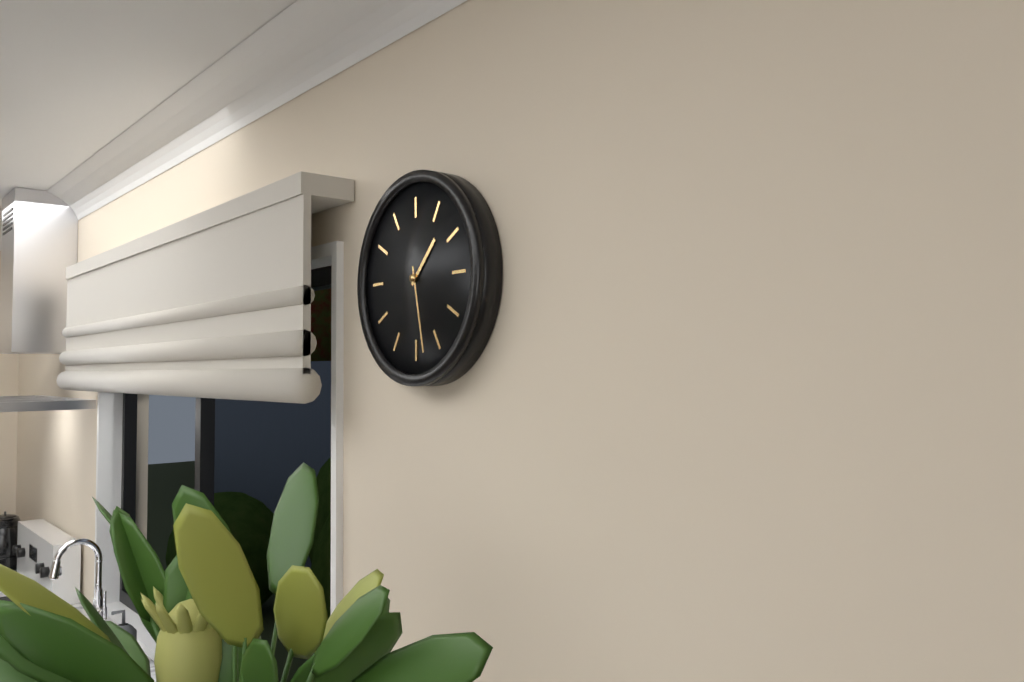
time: **1:28**
